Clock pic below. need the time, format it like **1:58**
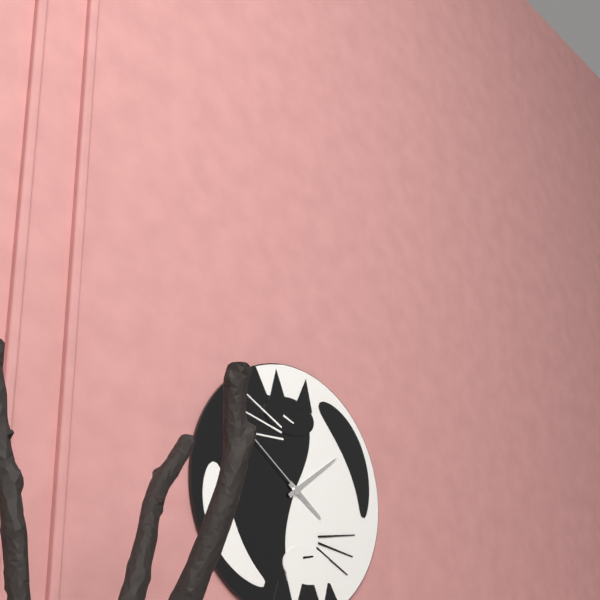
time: **4:09**
